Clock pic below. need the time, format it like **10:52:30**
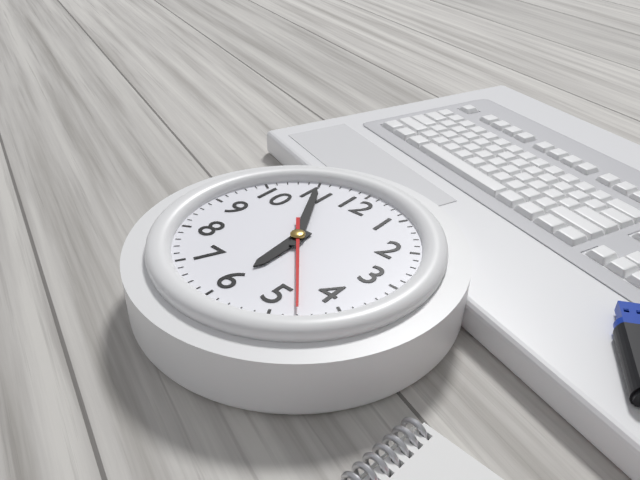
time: **5:55:23**
